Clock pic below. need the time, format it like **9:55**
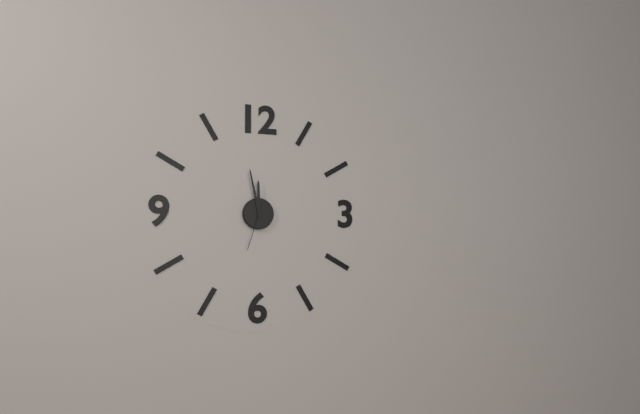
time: **11:58**
